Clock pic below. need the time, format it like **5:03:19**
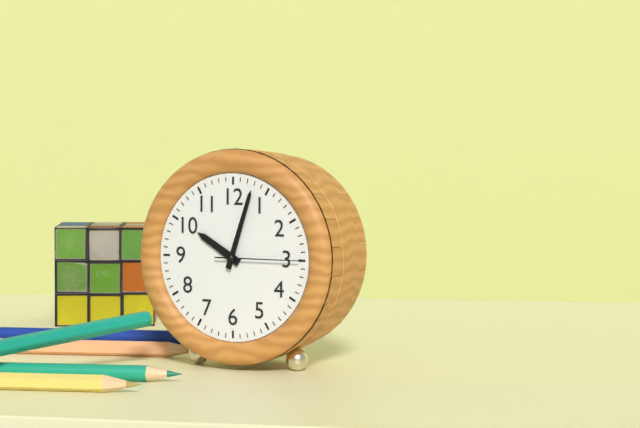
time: **10:03:15**
